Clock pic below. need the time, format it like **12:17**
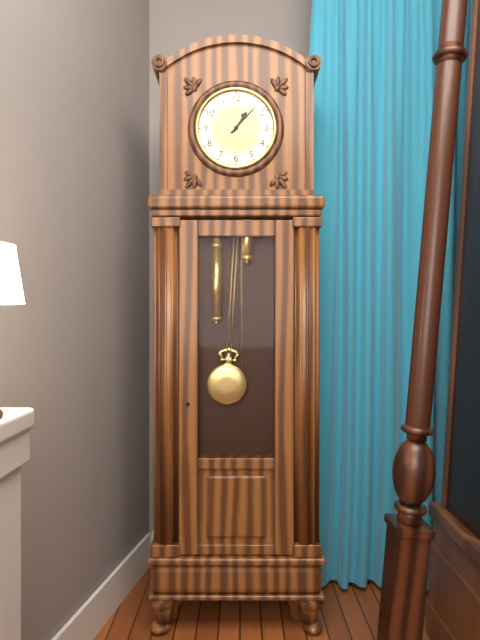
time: **1:07**
